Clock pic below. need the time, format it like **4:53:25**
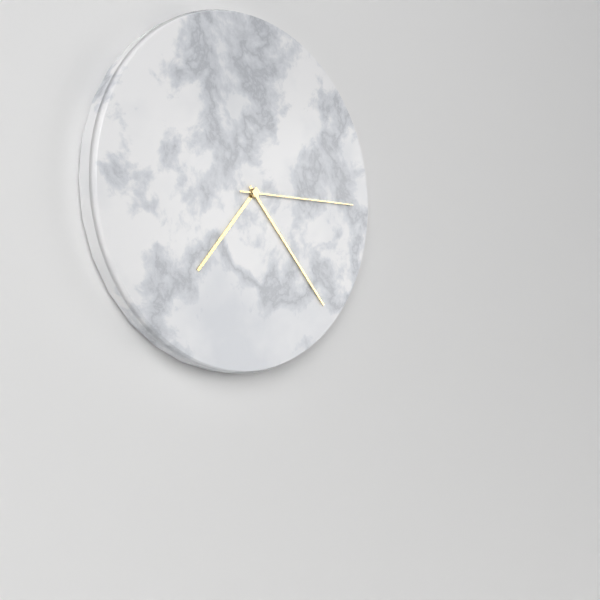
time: **7:23:15**
